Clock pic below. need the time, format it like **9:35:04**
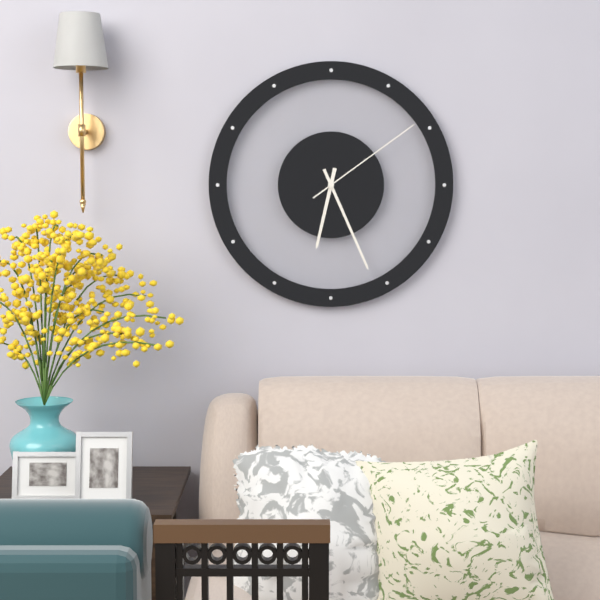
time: **6:26:09**
